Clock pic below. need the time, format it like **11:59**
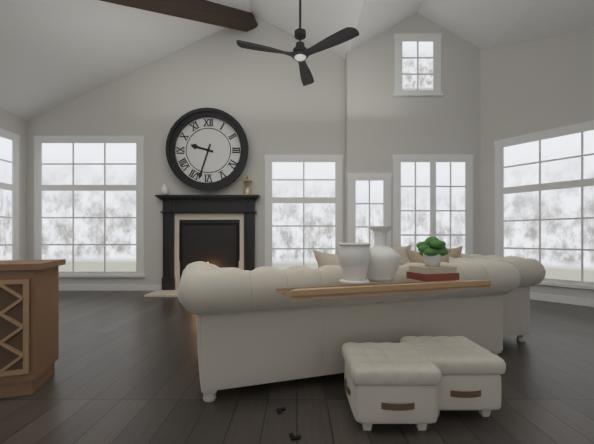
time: **9:33**
